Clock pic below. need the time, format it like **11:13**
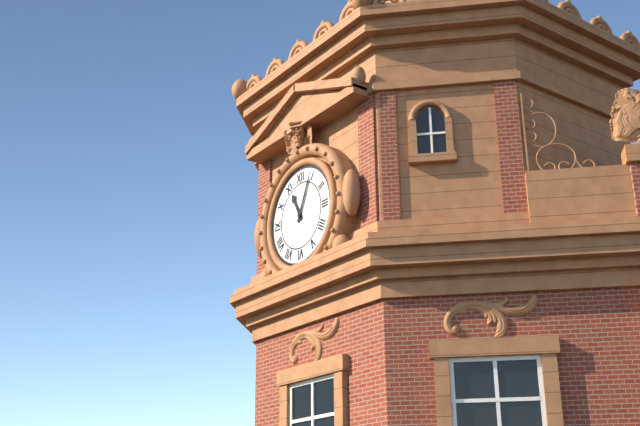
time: **11:04**
